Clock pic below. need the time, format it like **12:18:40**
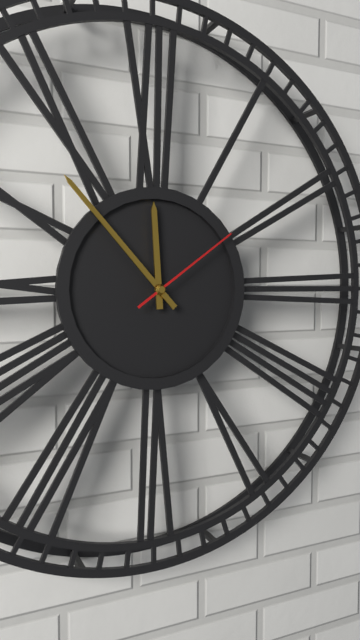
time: **11:53:09**
